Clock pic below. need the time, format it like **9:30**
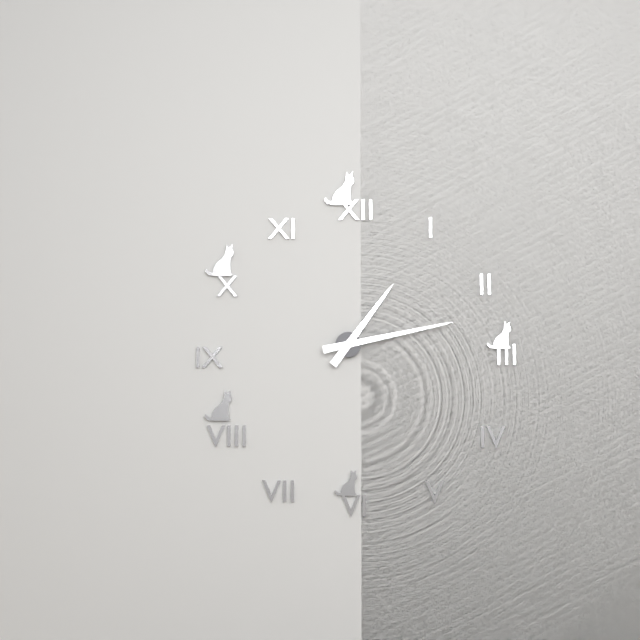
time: **1:13**
